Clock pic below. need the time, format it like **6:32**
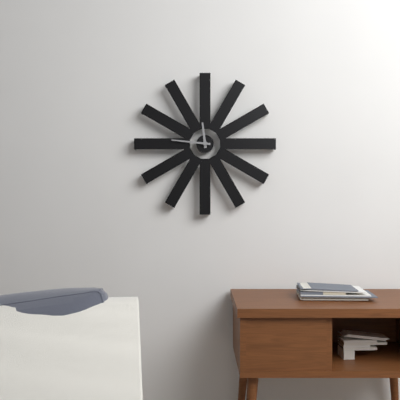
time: **11:46**
